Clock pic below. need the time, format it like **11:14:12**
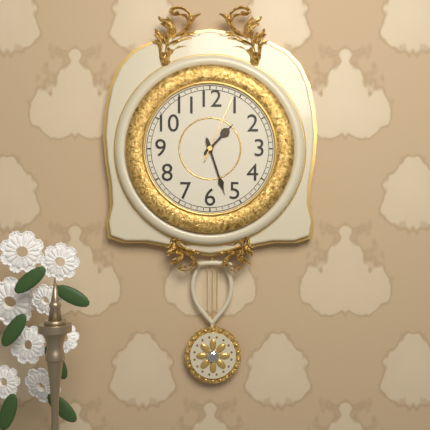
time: **1:27:04**
